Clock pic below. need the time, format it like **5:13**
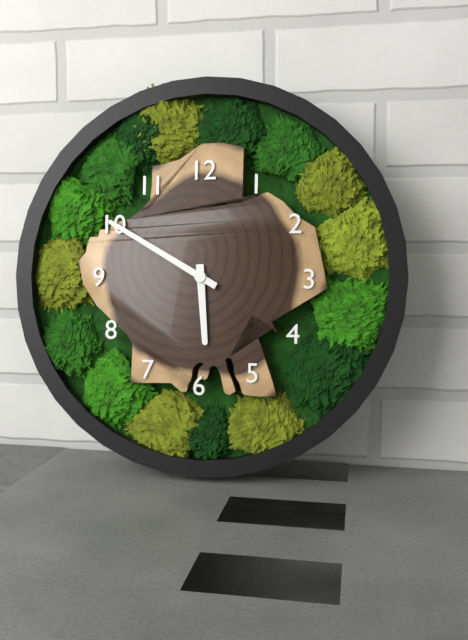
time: **5:50**
